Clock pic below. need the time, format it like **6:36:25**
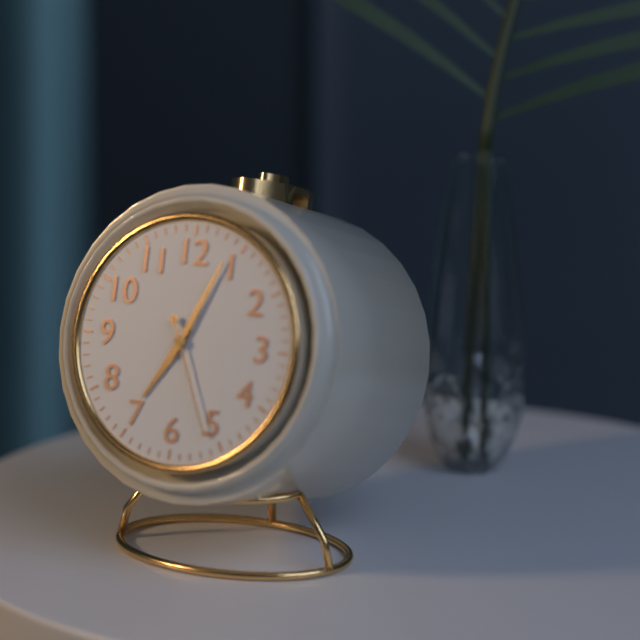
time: **7:04:26**
